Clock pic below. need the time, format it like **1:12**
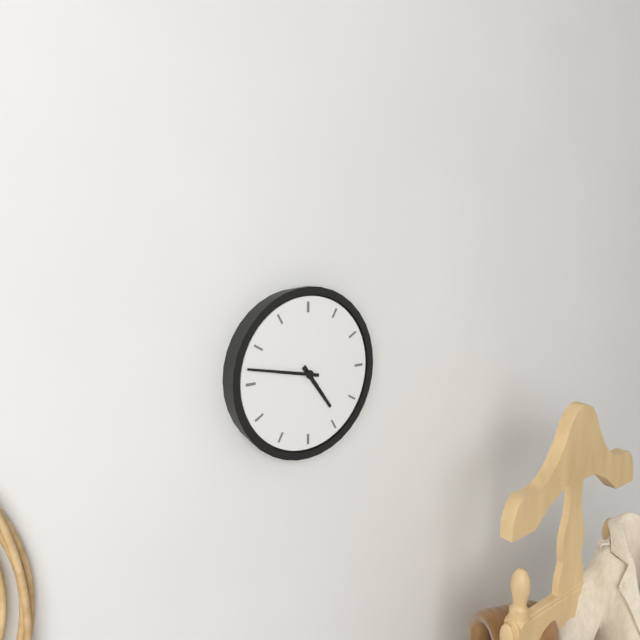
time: **4:47**
